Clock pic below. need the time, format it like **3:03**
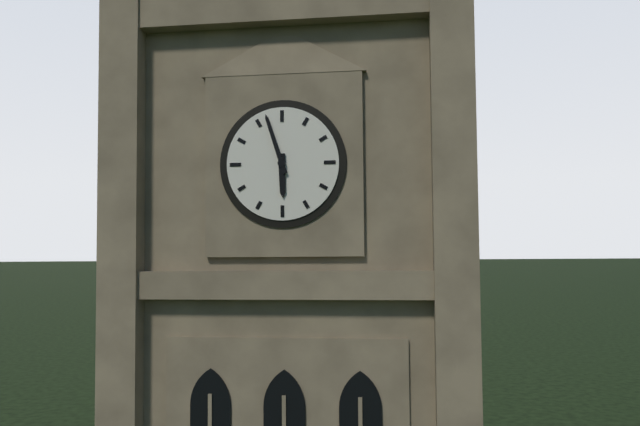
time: **5:57**
